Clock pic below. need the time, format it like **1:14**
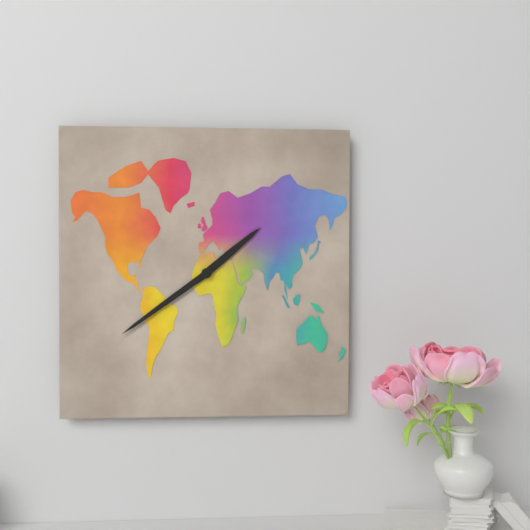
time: **1:39**
